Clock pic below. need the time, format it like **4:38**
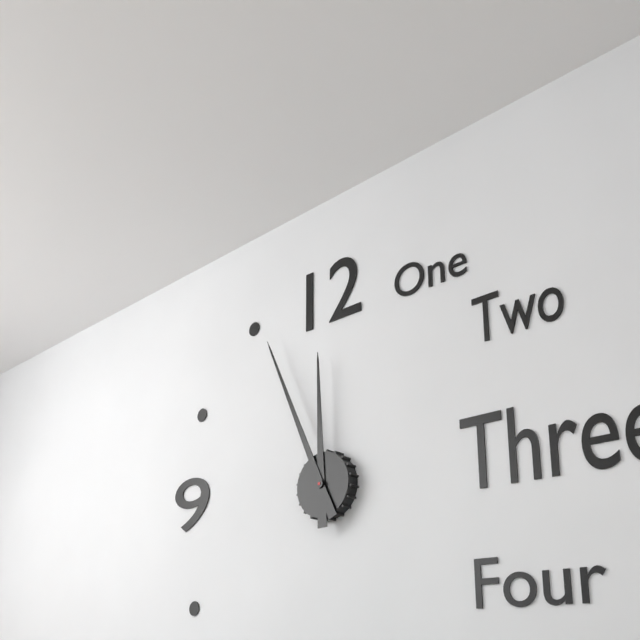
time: **11:56**
